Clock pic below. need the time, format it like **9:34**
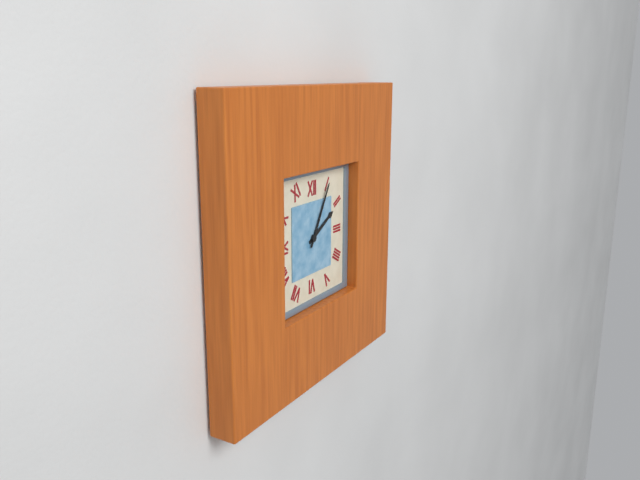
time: **2:05**
